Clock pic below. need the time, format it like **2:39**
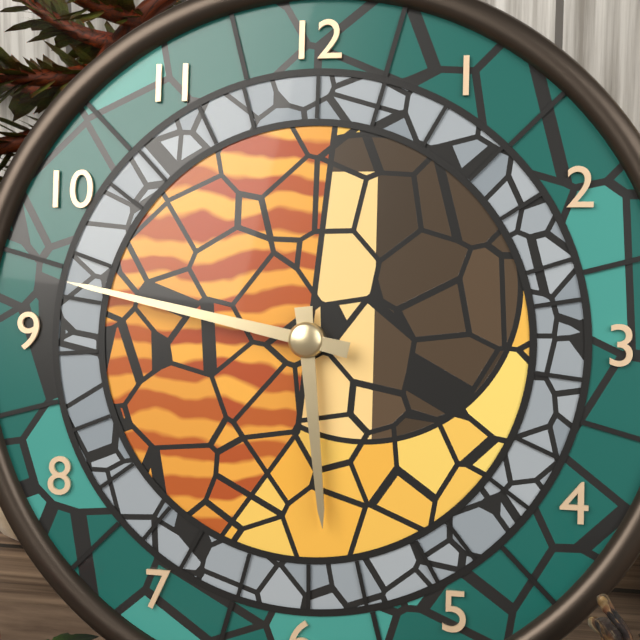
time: **5:47**
